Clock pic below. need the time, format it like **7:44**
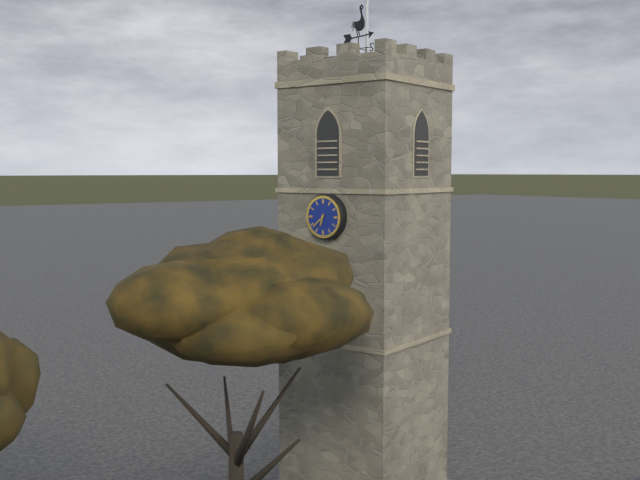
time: **6:38**
